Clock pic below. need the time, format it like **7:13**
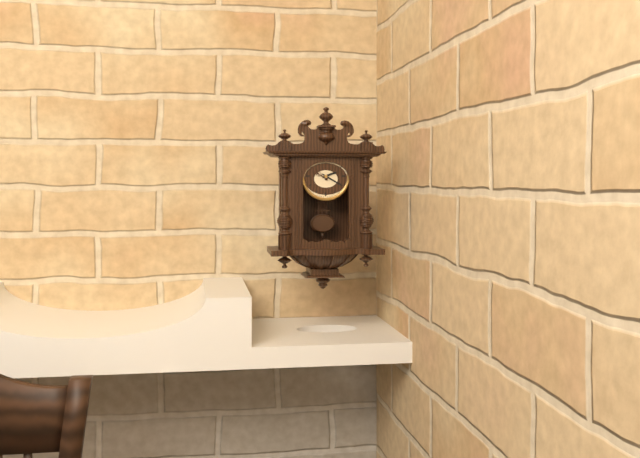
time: **2:20**
